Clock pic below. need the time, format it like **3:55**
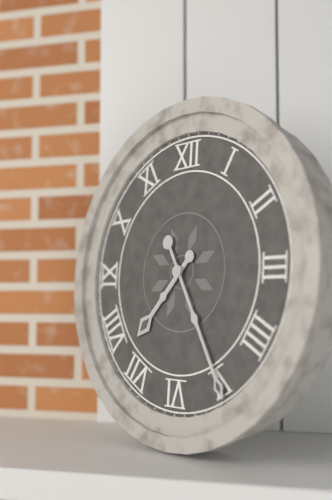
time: **7:25**
